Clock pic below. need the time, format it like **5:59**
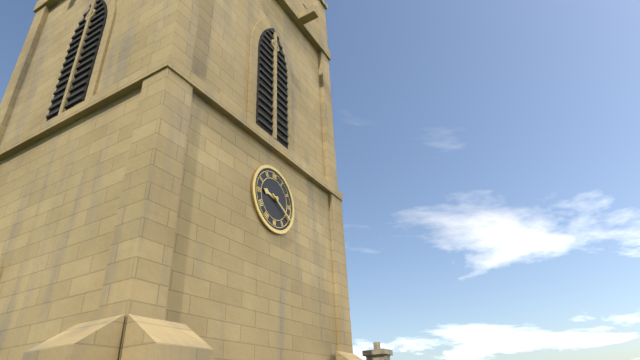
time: **9:20**
